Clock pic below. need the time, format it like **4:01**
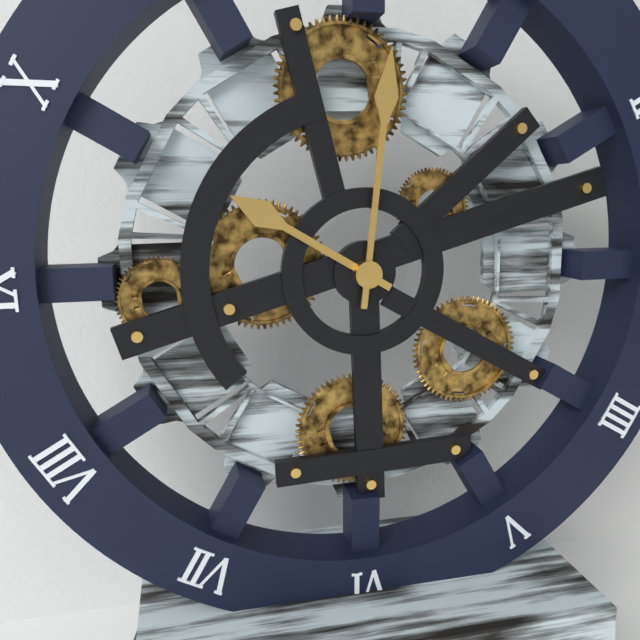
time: **10:01**
